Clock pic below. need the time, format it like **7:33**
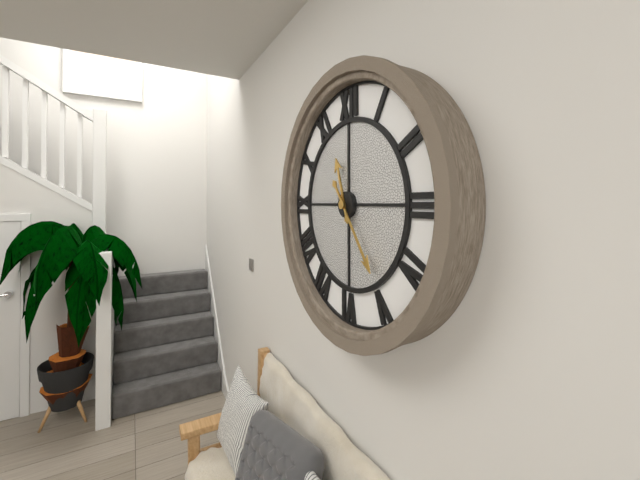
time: **11:24**
